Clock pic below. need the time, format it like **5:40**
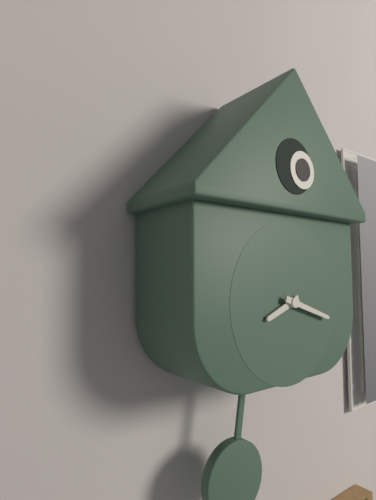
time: **8:18**
